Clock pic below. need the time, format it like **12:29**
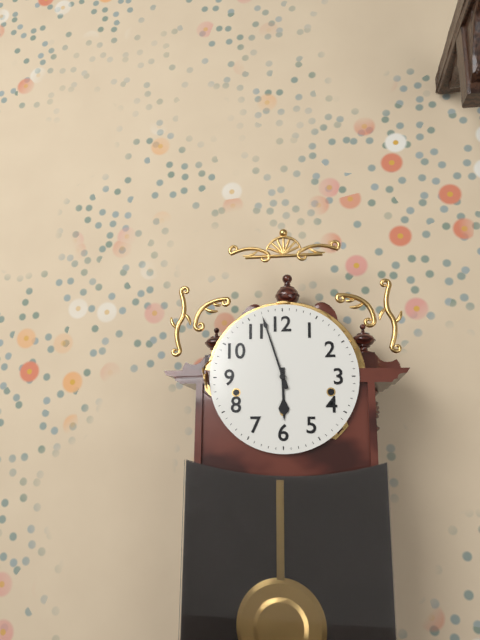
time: **5:57**
